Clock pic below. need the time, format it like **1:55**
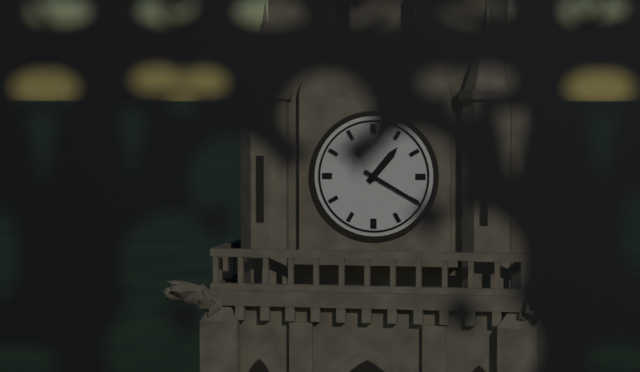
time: **1:20**
